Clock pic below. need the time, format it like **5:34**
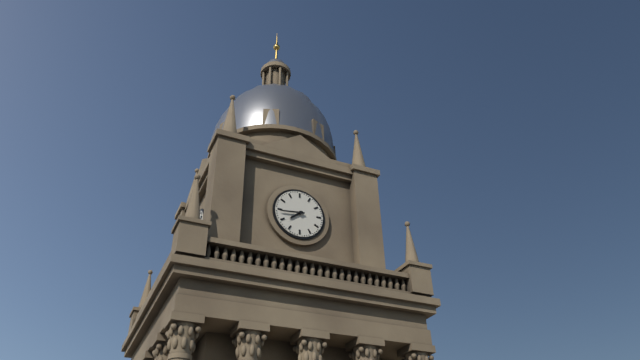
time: **7:44**
